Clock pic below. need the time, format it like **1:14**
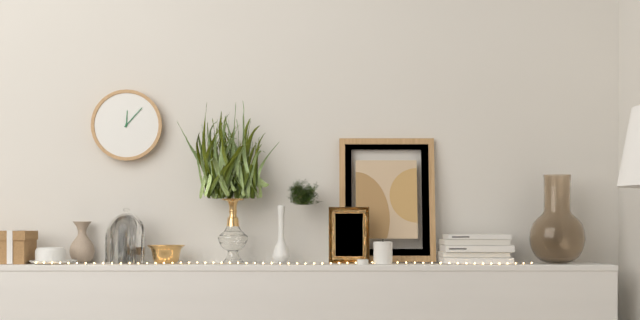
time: **12:07**
